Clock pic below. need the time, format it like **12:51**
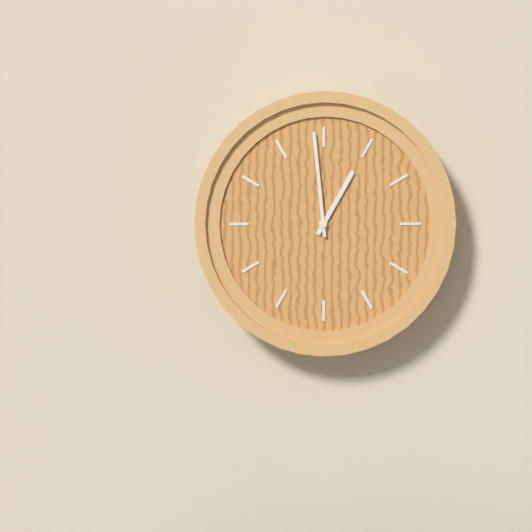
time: **12:59**
